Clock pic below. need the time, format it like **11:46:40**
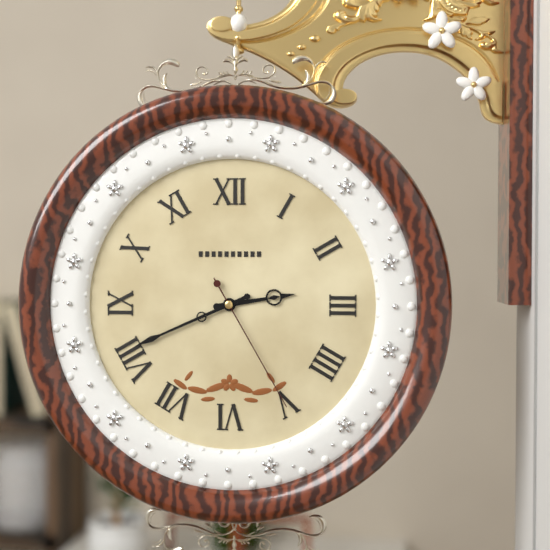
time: **2:41:25**
